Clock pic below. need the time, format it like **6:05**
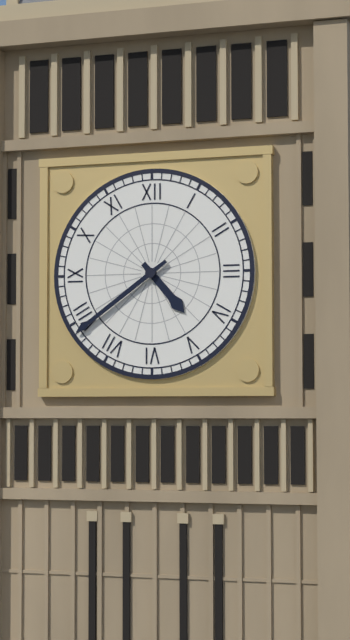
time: **4:39**
